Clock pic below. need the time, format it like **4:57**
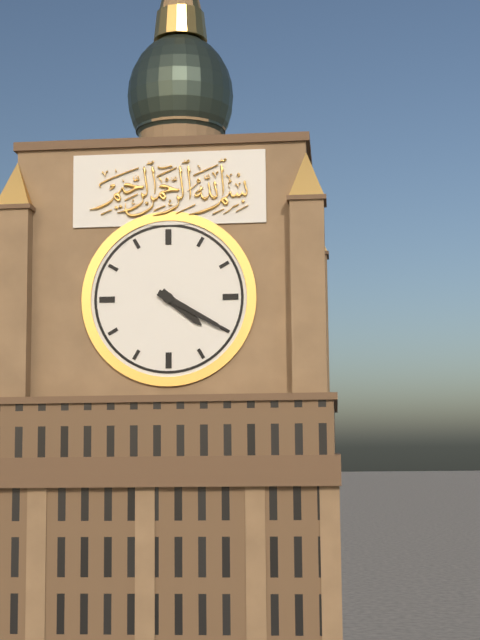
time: **4:20**
